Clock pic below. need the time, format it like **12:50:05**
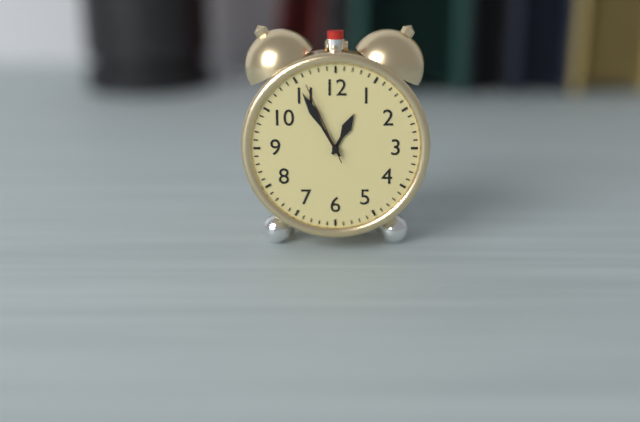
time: **12:55:56**
